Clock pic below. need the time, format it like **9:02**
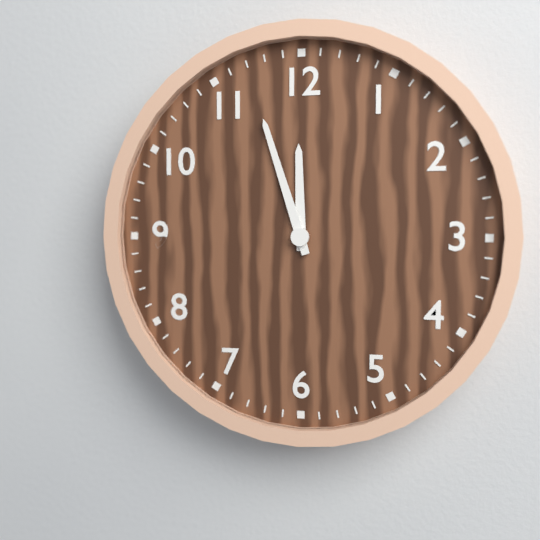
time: **11:57**
